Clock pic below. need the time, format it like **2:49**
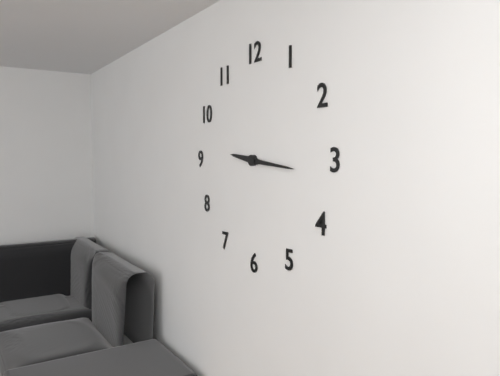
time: **9:16**
